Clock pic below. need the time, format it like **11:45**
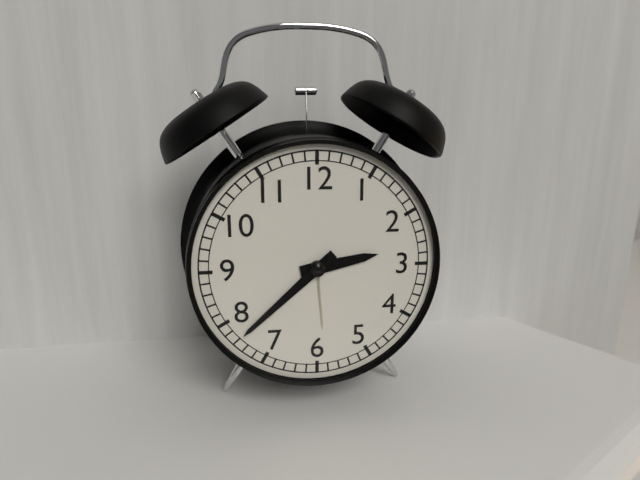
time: **2:38**
